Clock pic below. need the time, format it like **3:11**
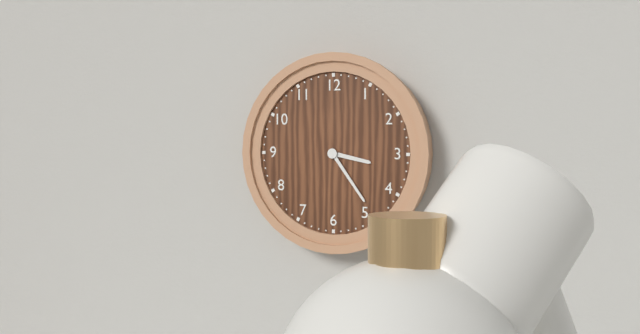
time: **3:24**
